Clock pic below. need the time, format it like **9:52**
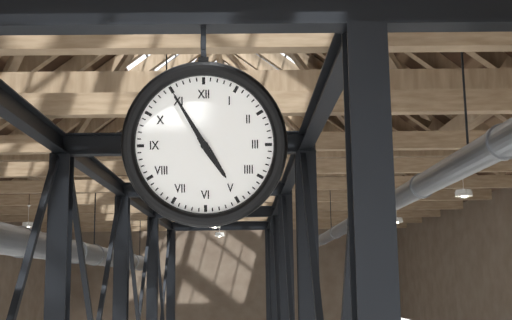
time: **4:55**
